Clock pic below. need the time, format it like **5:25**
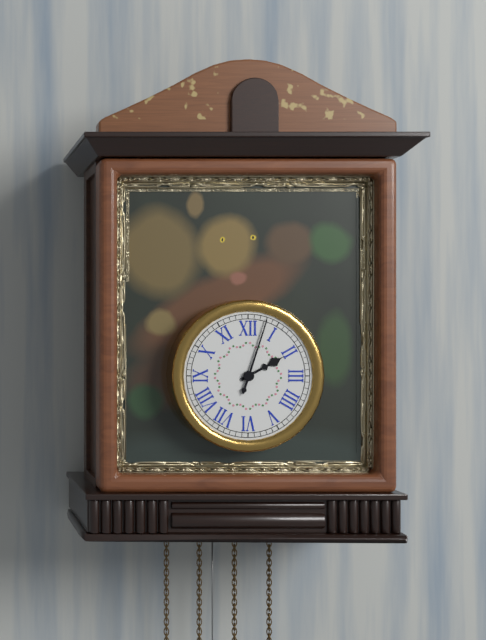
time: **2:03**
